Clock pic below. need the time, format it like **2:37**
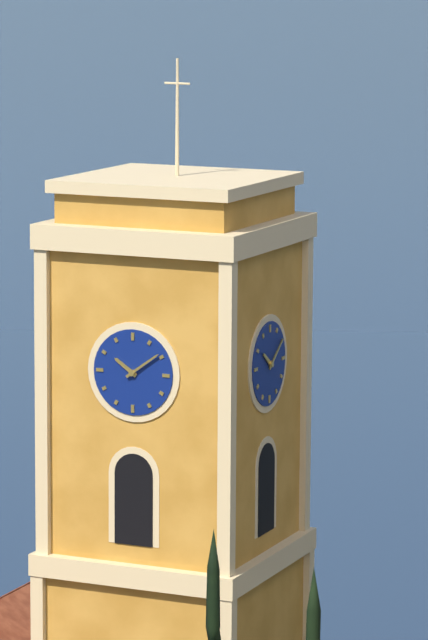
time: **10:09**
